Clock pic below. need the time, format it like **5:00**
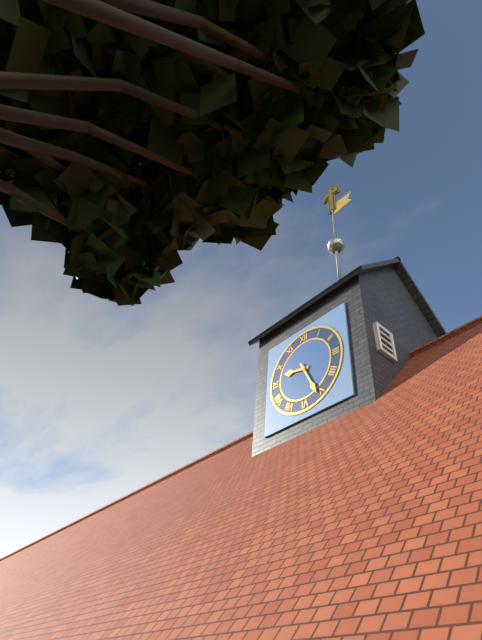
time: **9:26**
